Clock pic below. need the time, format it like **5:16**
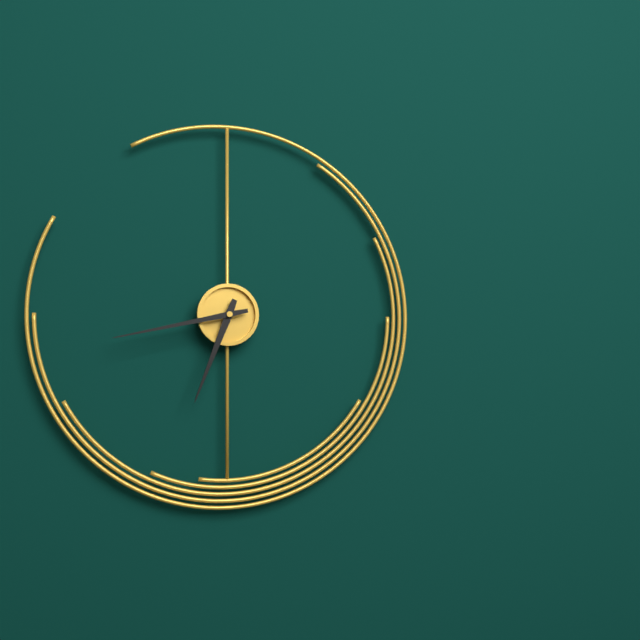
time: **6:43**
